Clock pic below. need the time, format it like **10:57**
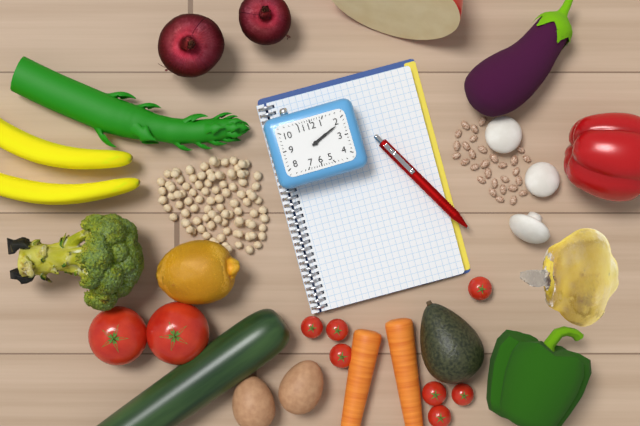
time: **2:11**
